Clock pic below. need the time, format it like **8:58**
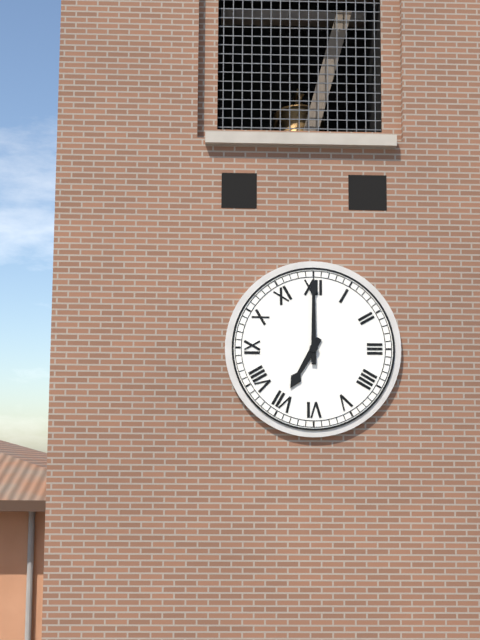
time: **7:00**
